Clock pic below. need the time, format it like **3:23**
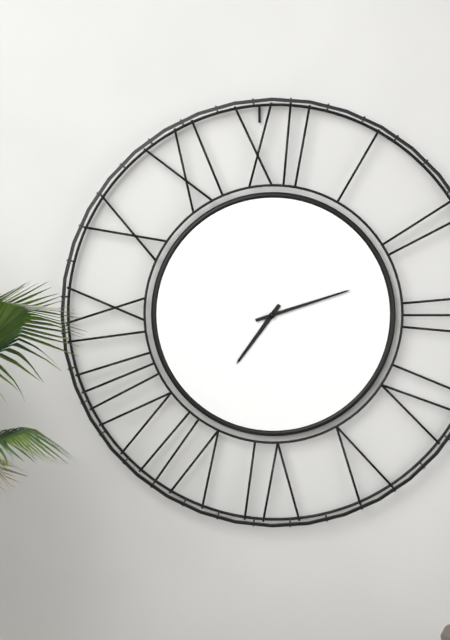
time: **7:12**
